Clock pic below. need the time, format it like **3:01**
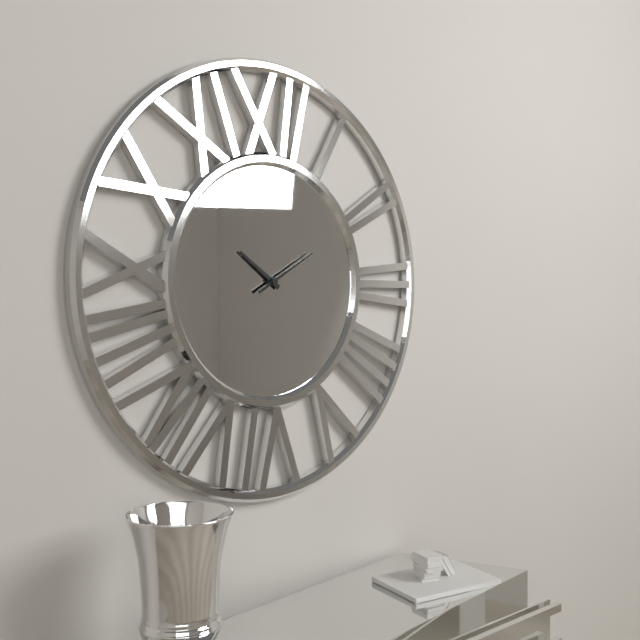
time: **10:10**
